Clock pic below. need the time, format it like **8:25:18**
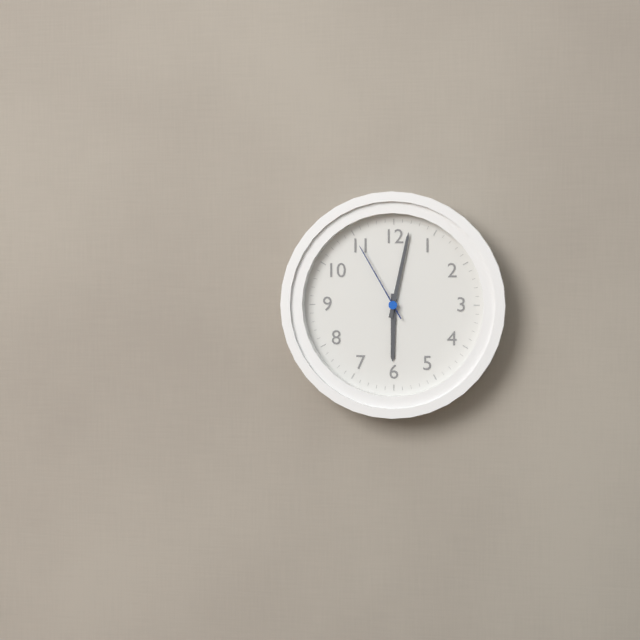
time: **6:02:55**
